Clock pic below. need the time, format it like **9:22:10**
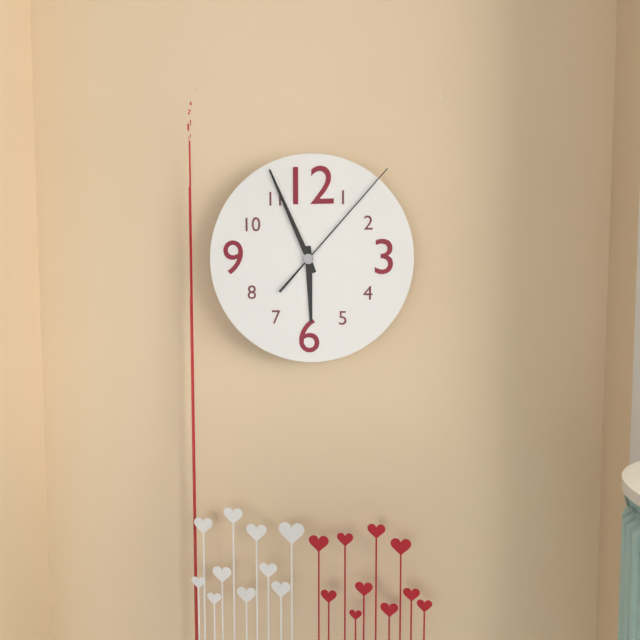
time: **5:56:07**
